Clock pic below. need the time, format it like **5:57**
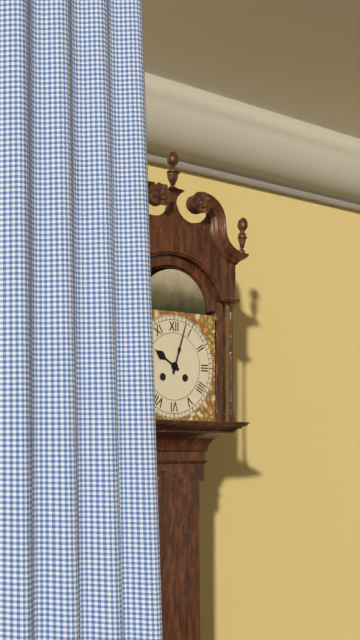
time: **10:03**
